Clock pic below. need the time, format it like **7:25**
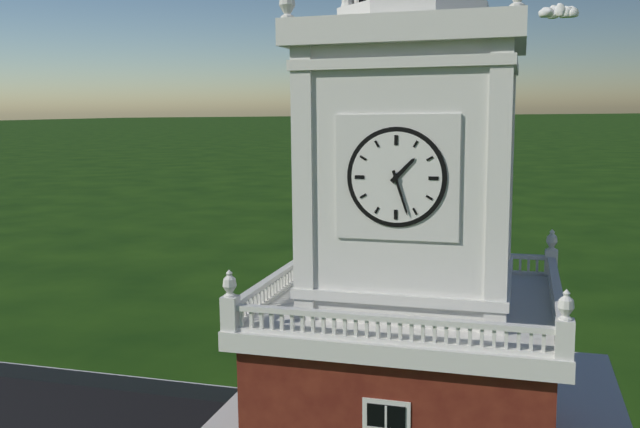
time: **1:27**
